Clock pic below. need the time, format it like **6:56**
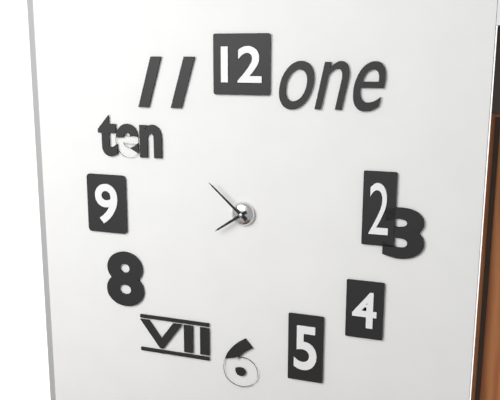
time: **7:52**
